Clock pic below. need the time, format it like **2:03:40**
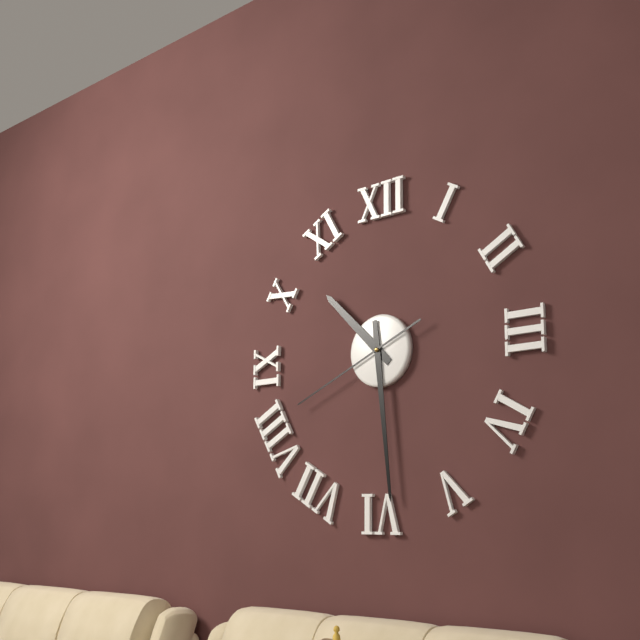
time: **10:29:41**
